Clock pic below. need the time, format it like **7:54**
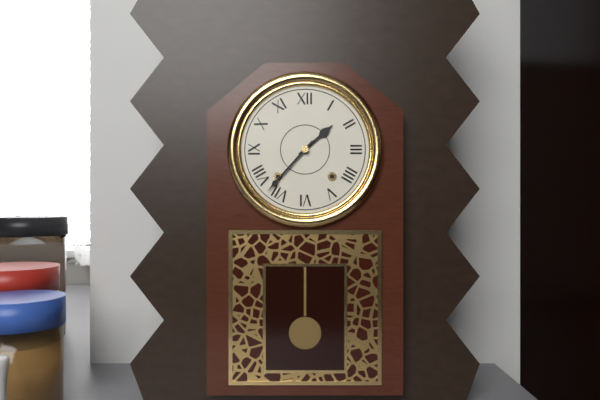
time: **1:37**
